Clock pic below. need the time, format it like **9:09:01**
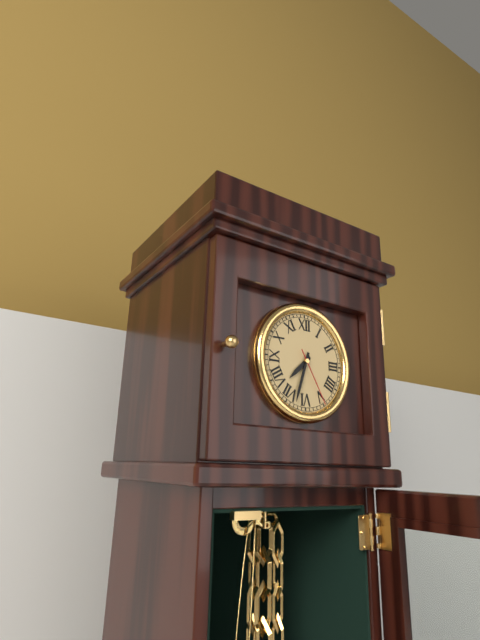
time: **7:33:25**
